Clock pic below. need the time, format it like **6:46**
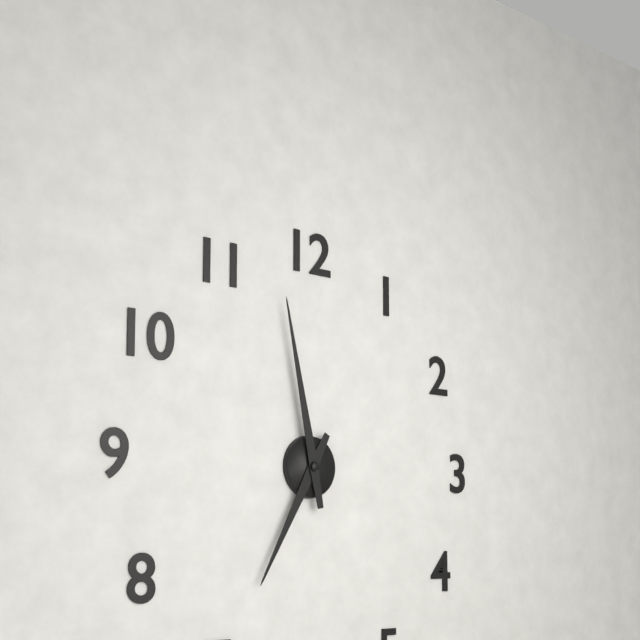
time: **6:58**
